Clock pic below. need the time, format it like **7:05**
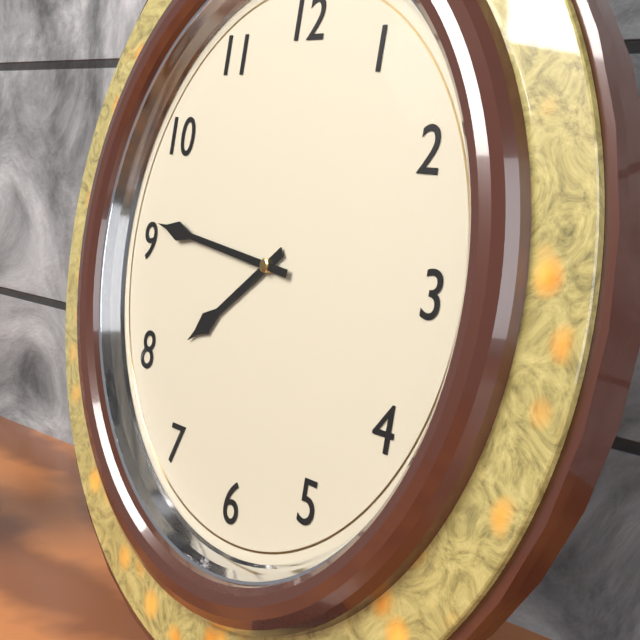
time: **7:46**
